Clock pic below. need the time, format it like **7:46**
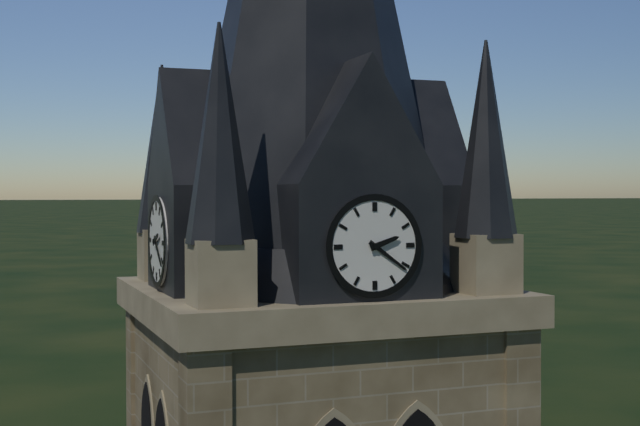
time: **2:21**
